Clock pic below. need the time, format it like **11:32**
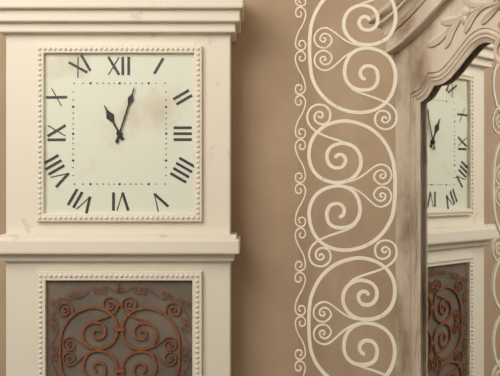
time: **11:03**
